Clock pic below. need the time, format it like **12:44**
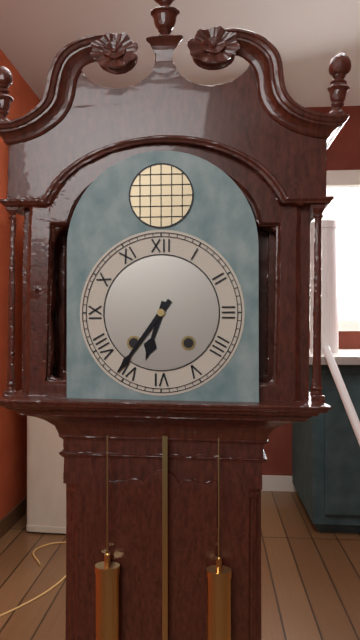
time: **6:36**
